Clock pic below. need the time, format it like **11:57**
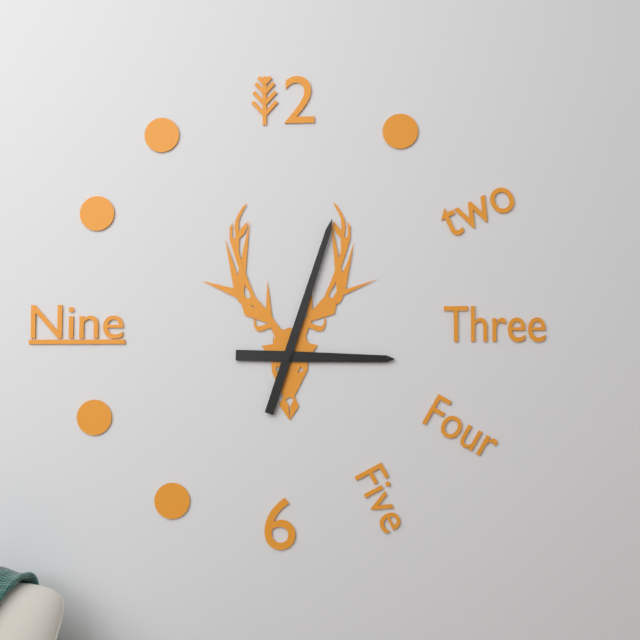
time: **3:03**
